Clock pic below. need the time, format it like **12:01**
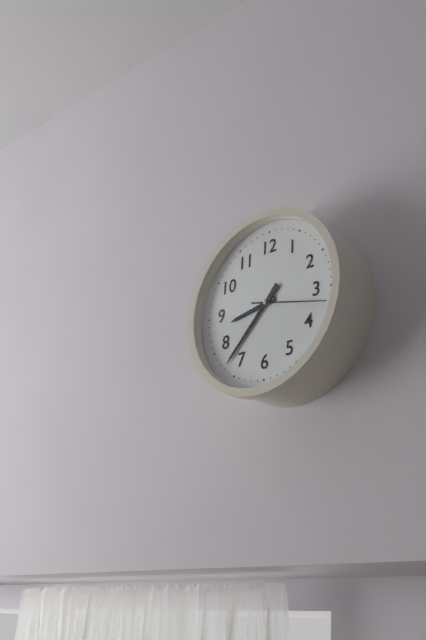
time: **8:37**
